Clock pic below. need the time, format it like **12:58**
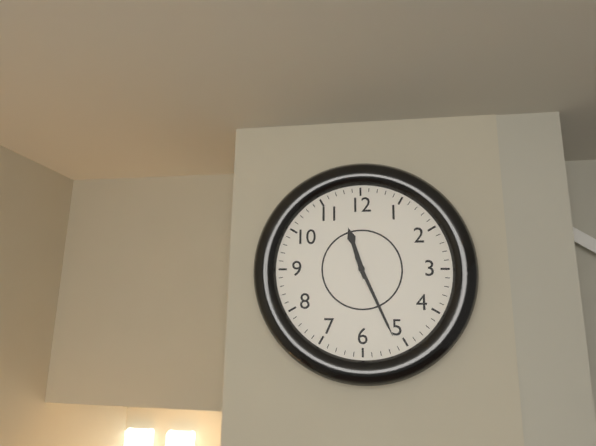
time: **11:26**
